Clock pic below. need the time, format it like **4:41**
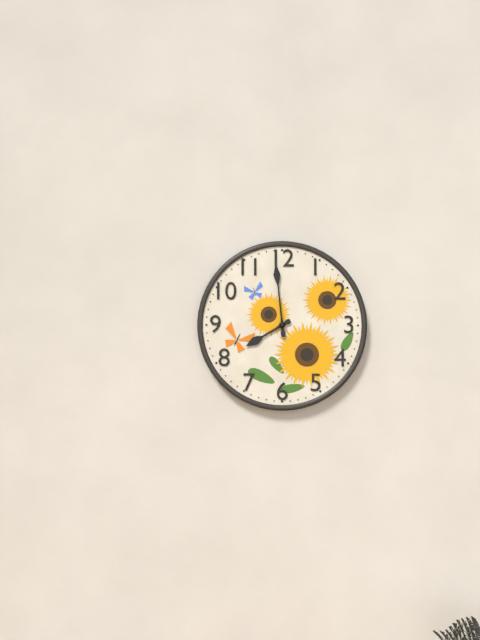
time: **7:59**
